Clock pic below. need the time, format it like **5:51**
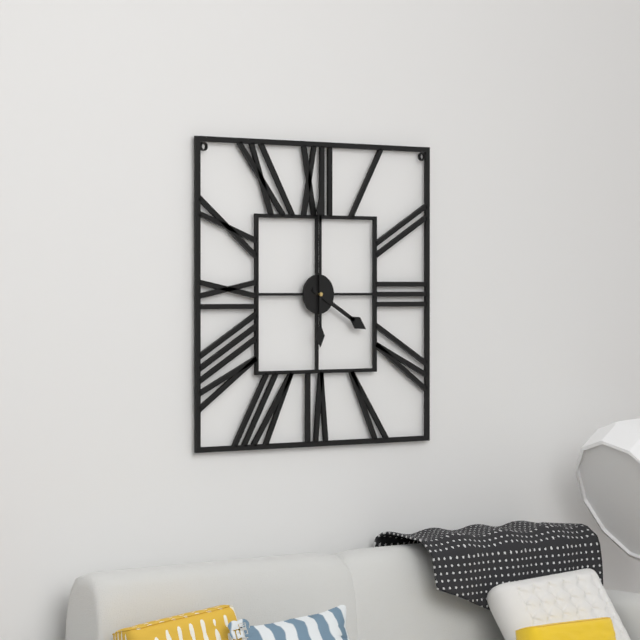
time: **4:00**
